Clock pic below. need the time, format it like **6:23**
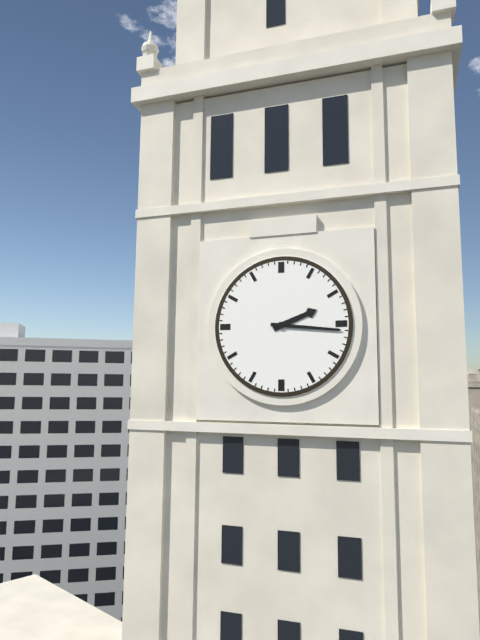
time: **2:16**
